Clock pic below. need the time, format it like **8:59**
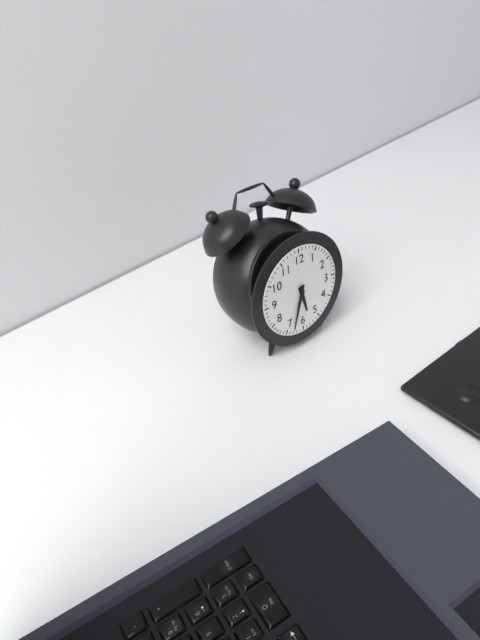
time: **5:33**
